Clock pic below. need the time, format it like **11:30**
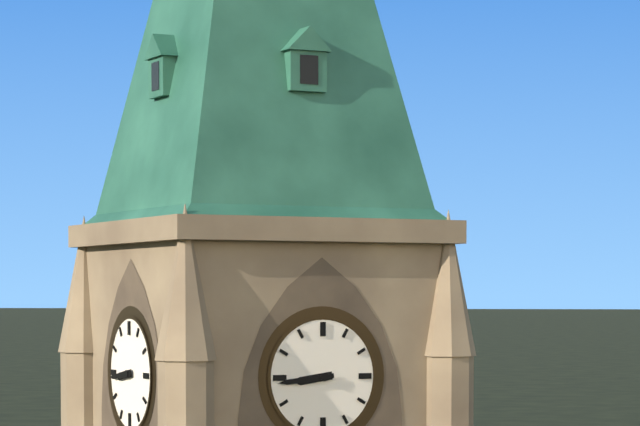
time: **8:44**
